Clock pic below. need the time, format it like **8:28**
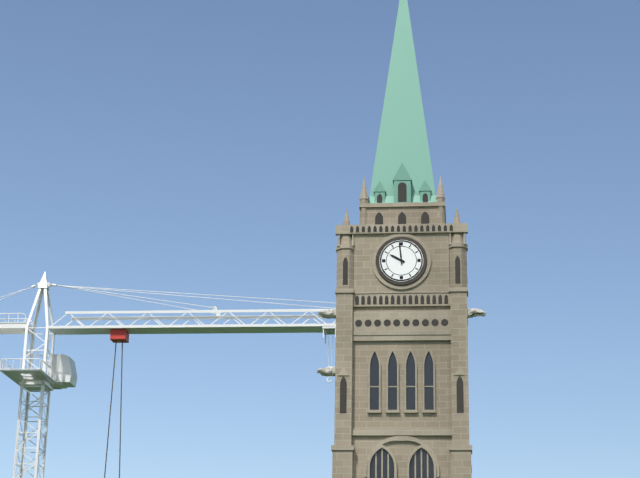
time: **9:59**
